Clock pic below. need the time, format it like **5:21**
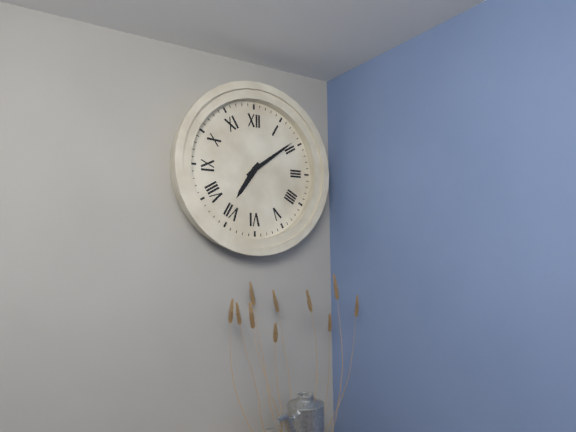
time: **7:09**
